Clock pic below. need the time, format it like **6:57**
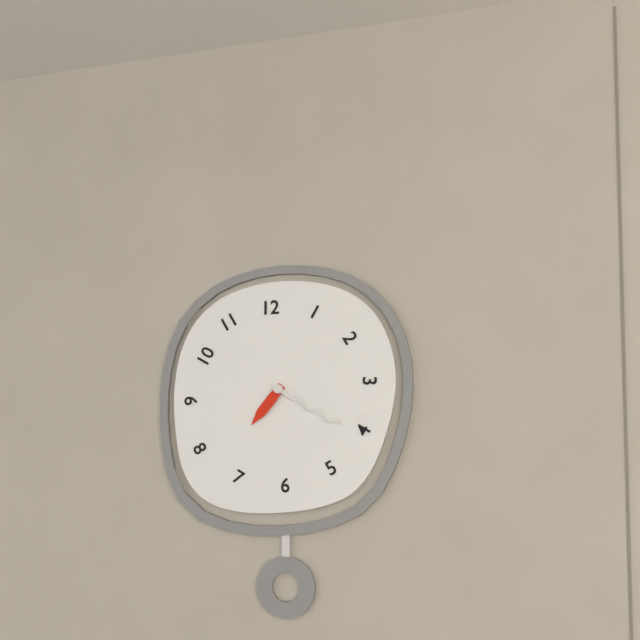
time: **7:20**
